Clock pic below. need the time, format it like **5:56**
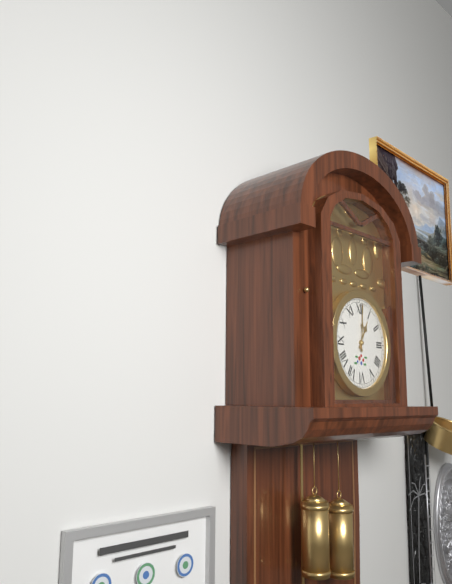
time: **1:01**
